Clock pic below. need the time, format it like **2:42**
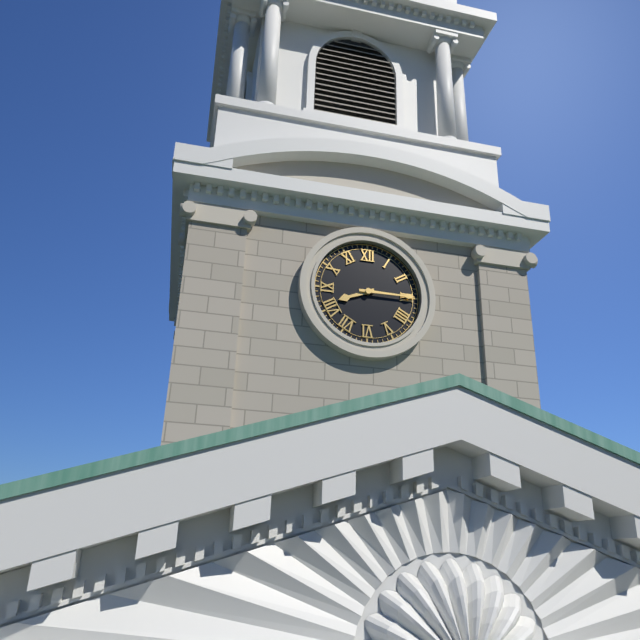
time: **8:15**
